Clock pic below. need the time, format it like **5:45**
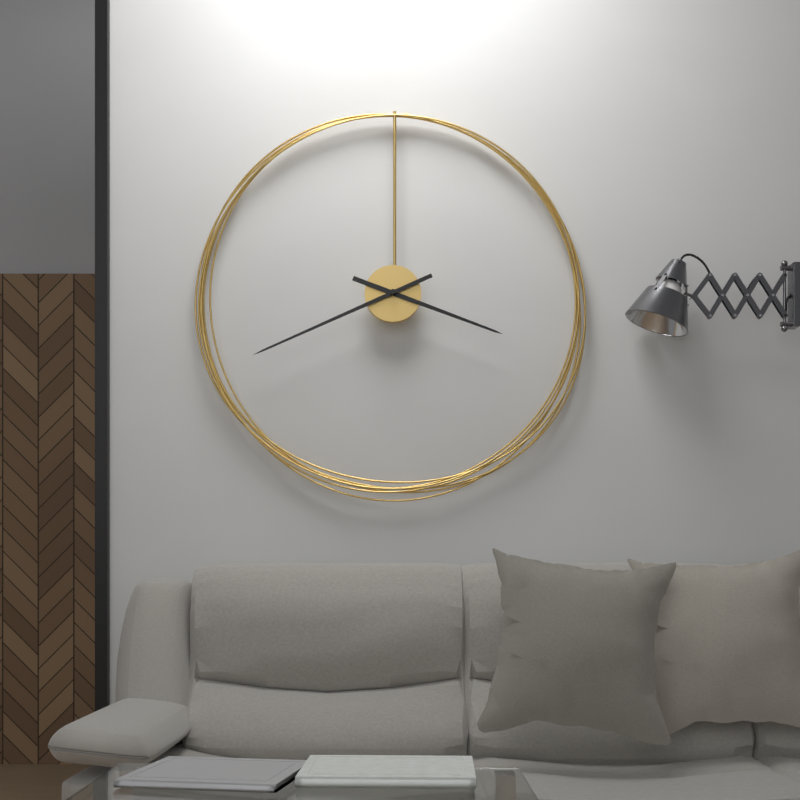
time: **3:41**
